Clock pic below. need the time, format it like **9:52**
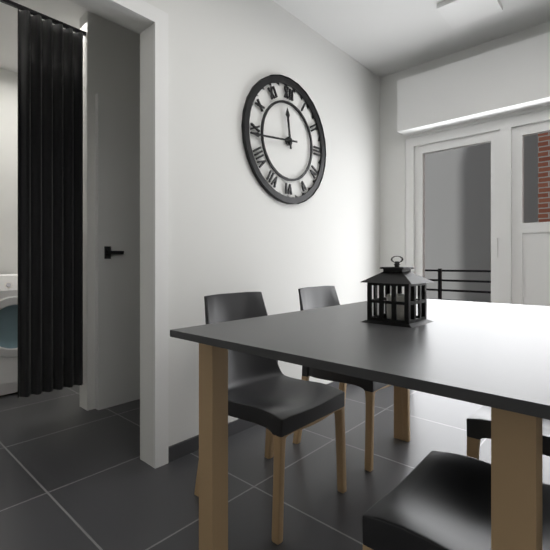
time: **11:44**
